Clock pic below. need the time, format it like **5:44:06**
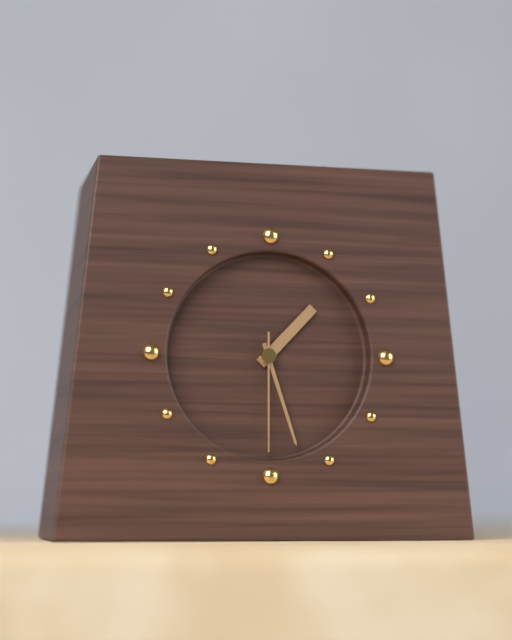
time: **1:27:30**
